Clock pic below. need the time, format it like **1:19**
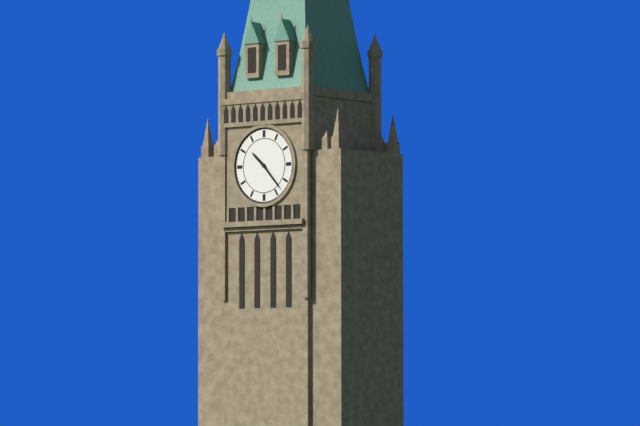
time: **10:23**
